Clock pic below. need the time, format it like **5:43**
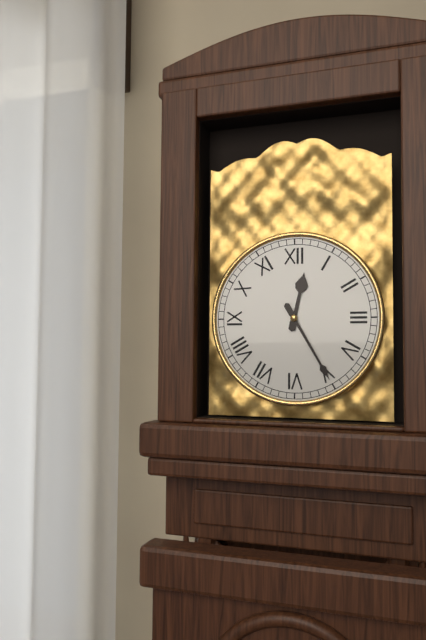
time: **12:25**
